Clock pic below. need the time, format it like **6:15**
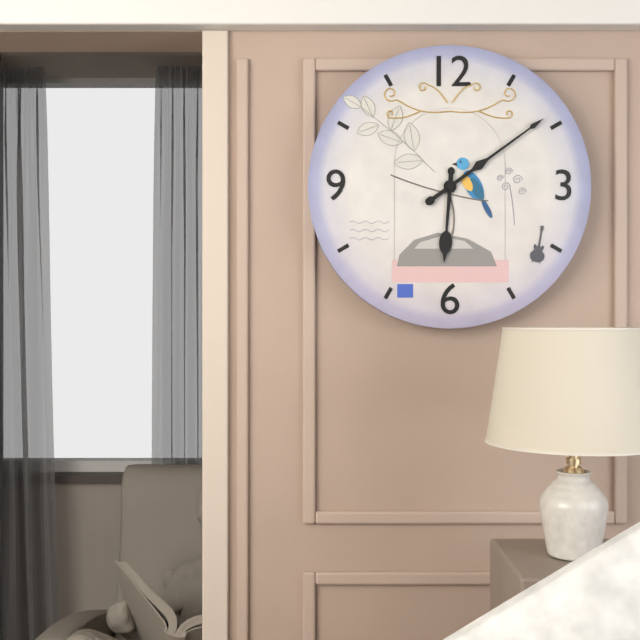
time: **6:09**
